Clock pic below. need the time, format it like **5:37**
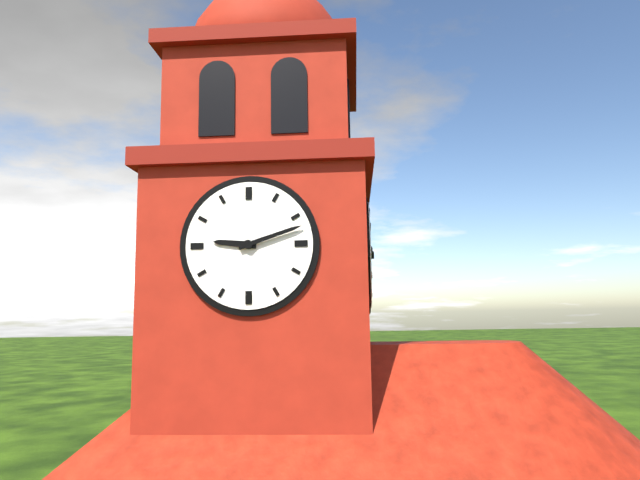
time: **9:12**
